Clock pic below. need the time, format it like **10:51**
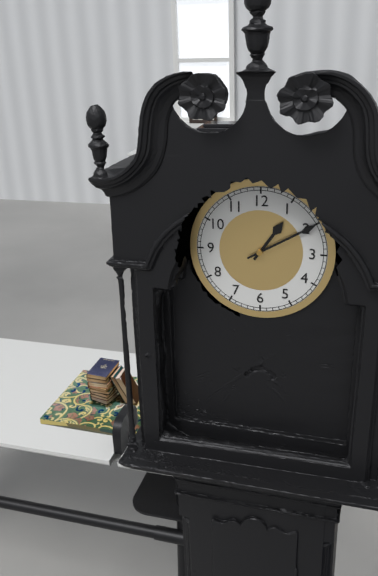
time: **1:10**
